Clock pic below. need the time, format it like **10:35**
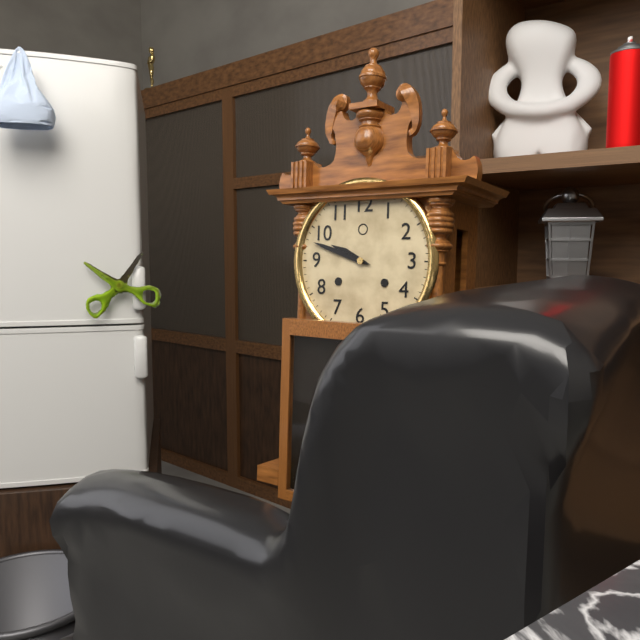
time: **9:48**
